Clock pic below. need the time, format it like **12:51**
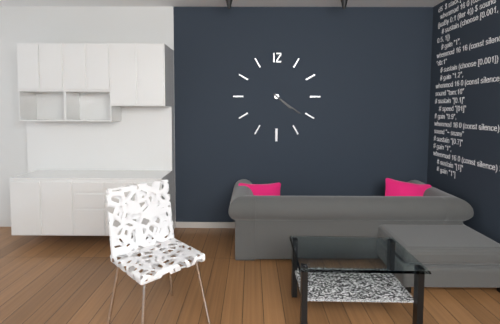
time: **4:21**
